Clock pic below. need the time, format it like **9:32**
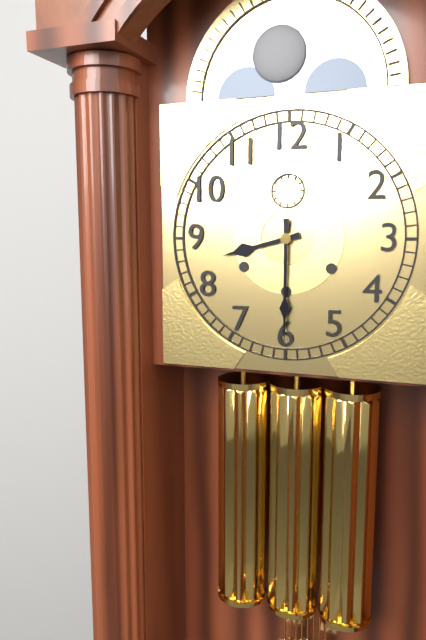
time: **8:30**
